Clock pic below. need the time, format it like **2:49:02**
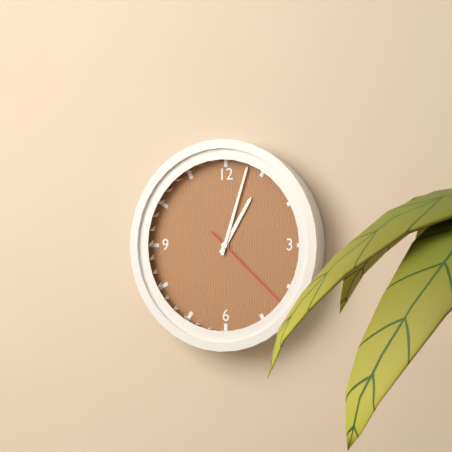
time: **1:03:22**
